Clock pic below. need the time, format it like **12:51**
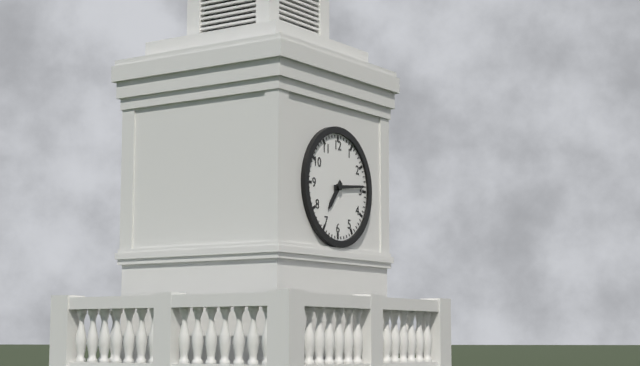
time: **7:14**
